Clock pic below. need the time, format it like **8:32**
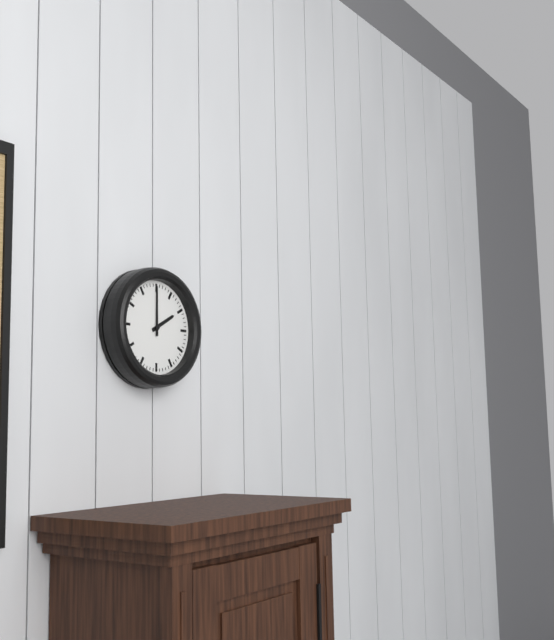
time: **2:00**
